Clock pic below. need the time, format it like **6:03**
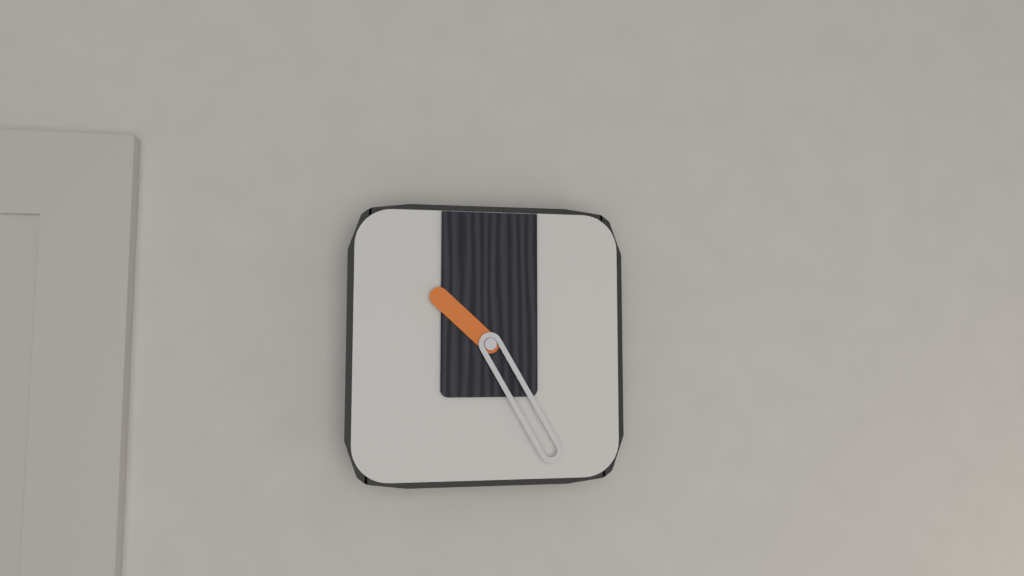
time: **10:25**
